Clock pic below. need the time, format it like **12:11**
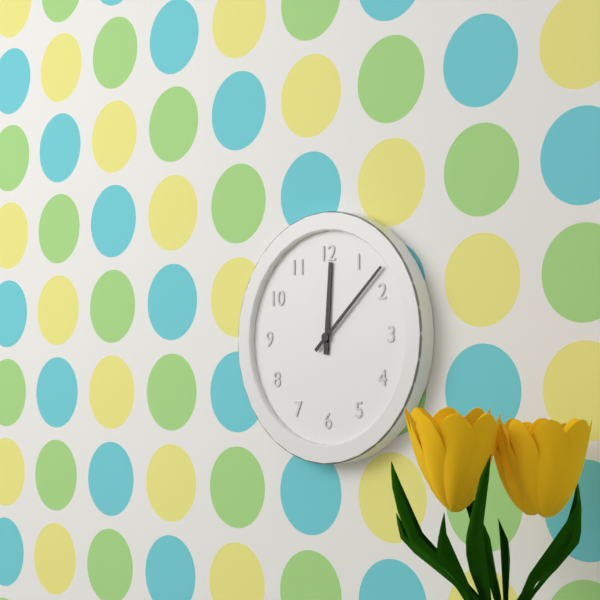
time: **12:08**
